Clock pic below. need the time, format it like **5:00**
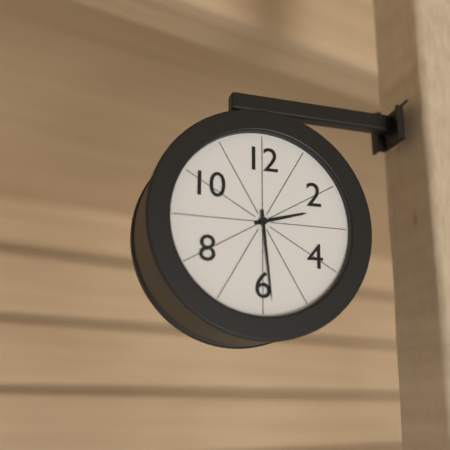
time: **2:29**
